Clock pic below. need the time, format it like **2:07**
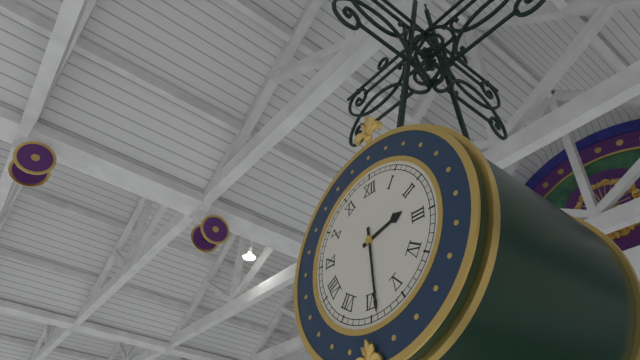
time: **2:29**
